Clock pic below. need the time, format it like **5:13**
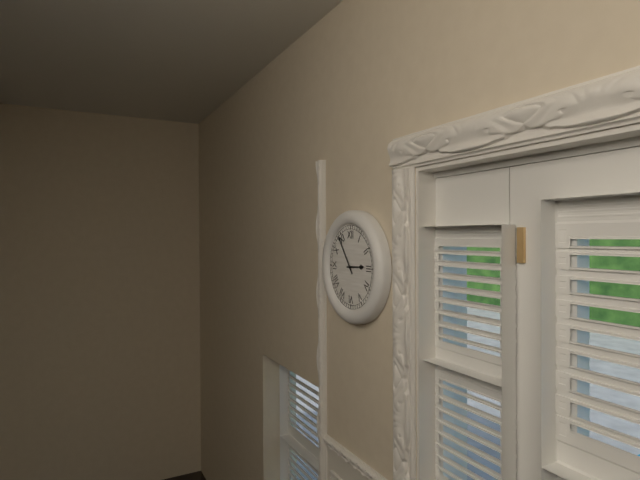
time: **2:54**
